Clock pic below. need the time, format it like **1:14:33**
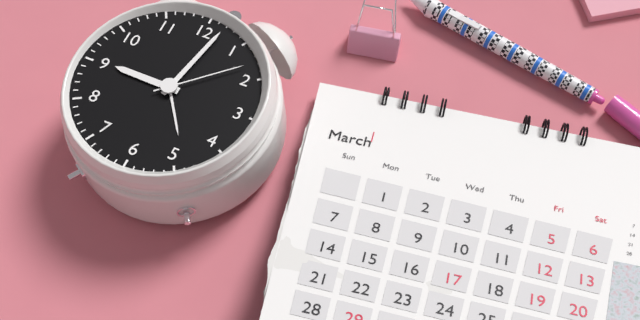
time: **9:02:08**
